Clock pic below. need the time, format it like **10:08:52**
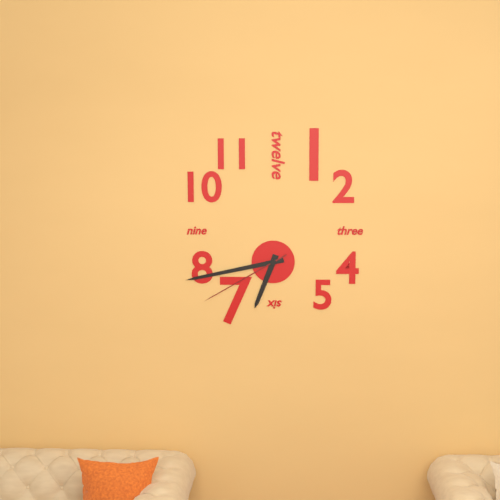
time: **6:43:40**
